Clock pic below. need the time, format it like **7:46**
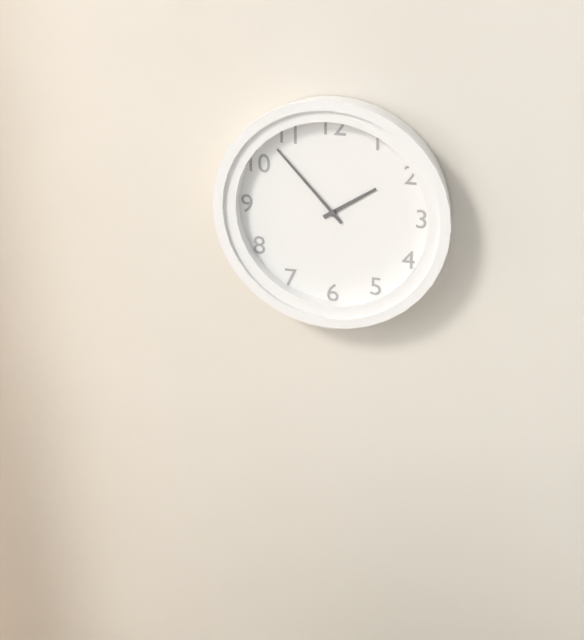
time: **1:53**
